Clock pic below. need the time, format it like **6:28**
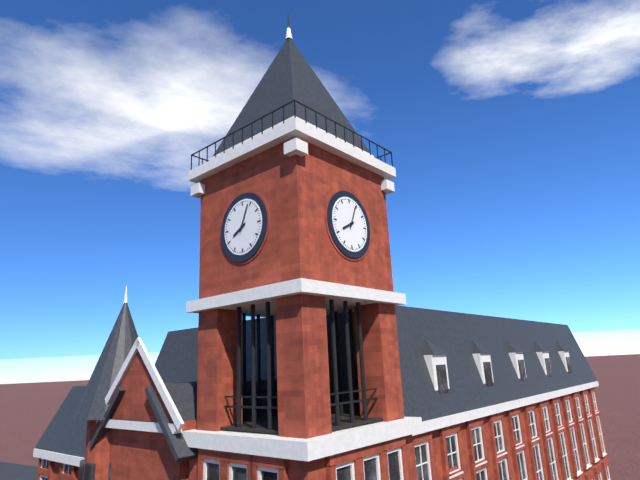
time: **8:04**
